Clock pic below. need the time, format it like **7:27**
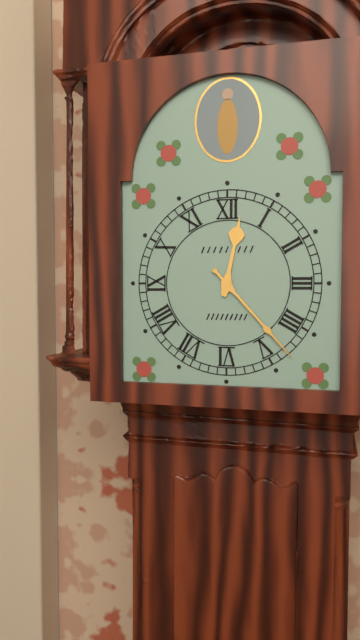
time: **12:23**
